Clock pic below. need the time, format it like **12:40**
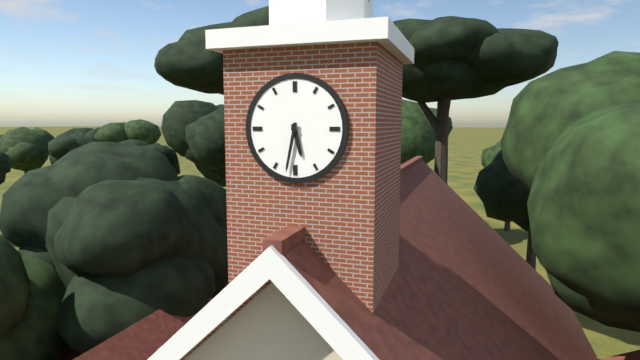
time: **5:32**
